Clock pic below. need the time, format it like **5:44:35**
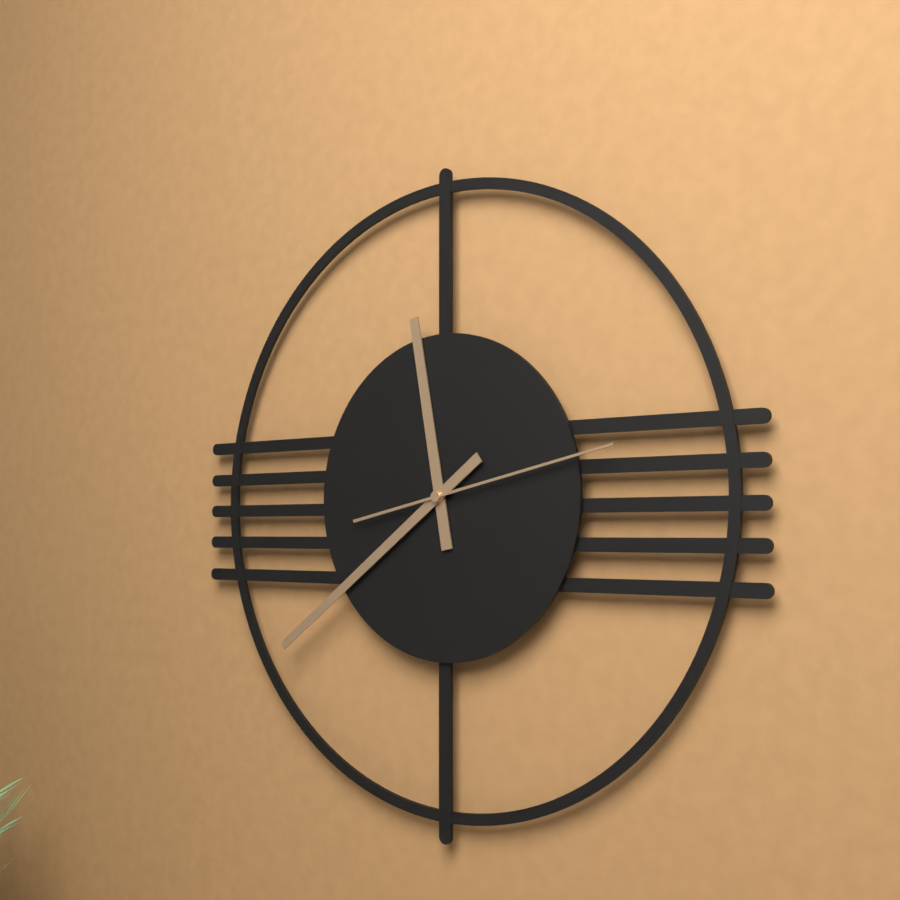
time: **11:39:13**
